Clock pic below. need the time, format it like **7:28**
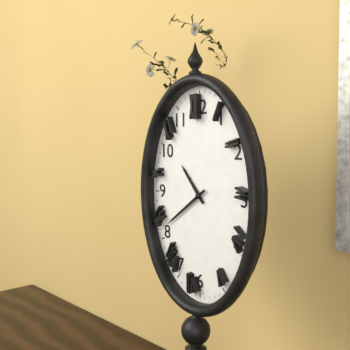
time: **10:39**
